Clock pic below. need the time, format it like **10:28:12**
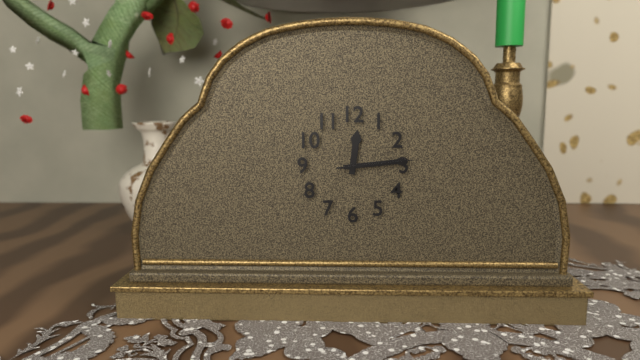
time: **12:14:14**
